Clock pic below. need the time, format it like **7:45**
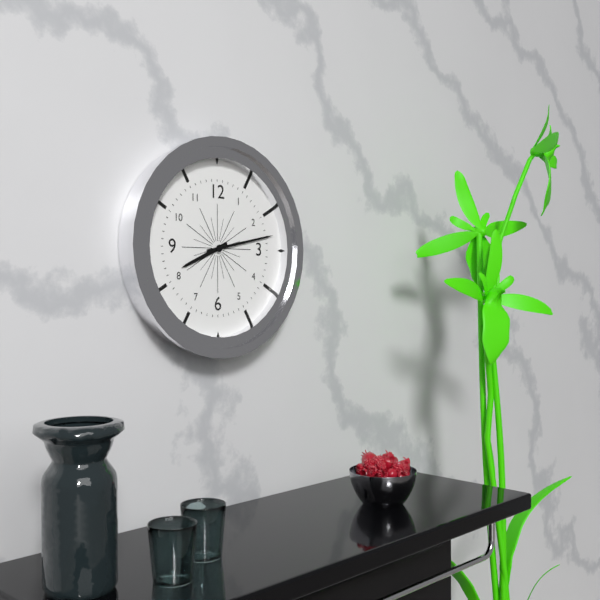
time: **8:13**
